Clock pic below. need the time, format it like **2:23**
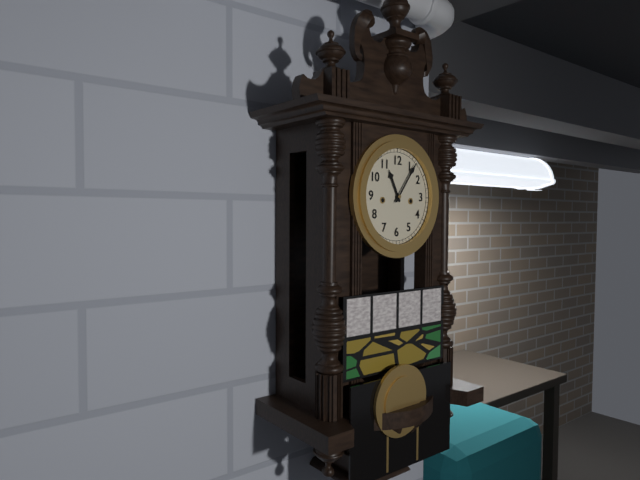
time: **11:06**
